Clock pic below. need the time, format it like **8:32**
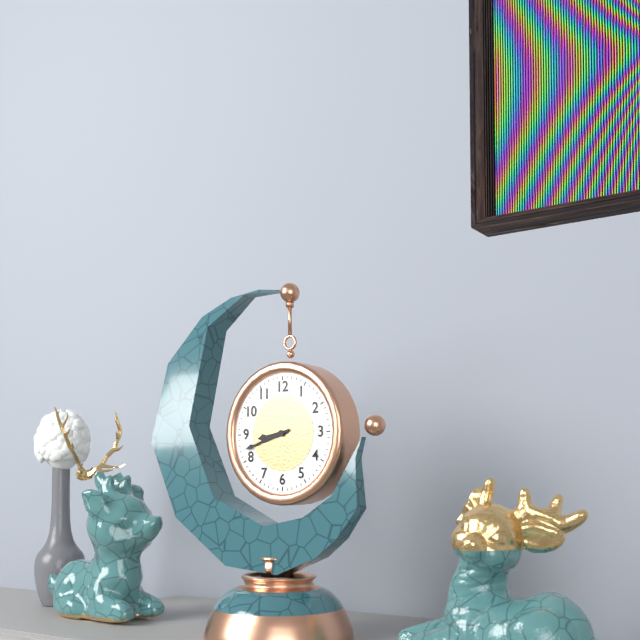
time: **8:42**
